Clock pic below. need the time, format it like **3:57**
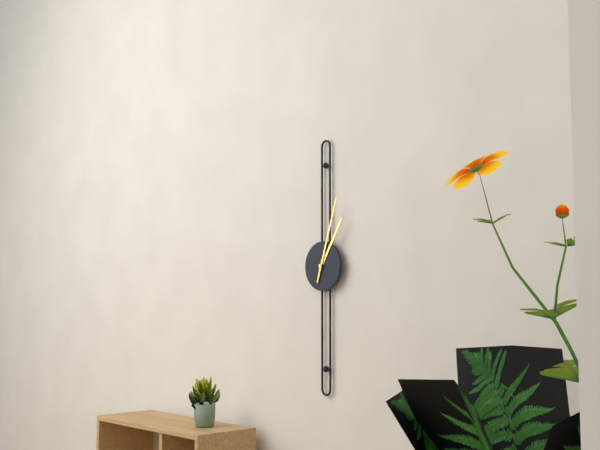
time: **1:03**
